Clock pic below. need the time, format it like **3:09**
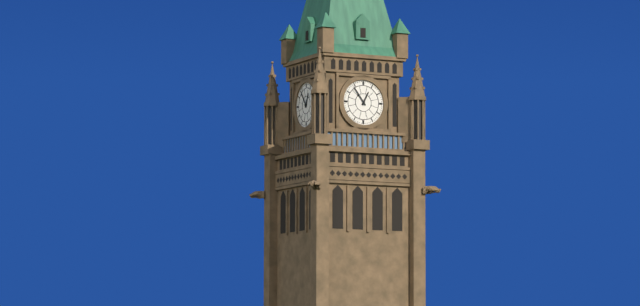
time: **12:54**
